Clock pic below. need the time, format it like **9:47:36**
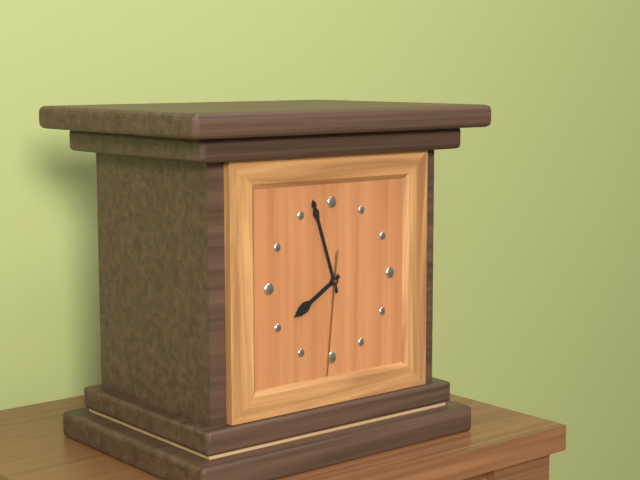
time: **7:57:31**
